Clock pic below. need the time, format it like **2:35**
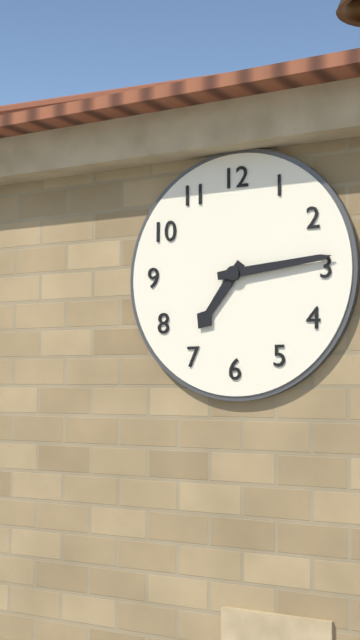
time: **7:14**
